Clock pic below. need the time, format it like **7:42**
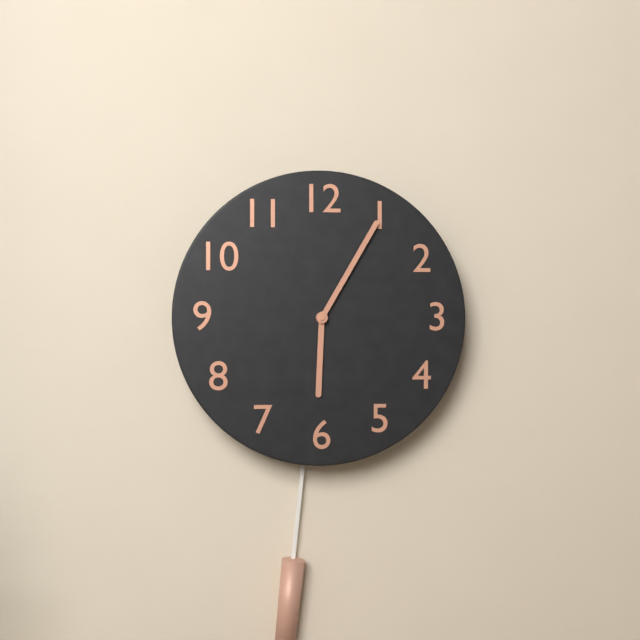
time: **6:05**
